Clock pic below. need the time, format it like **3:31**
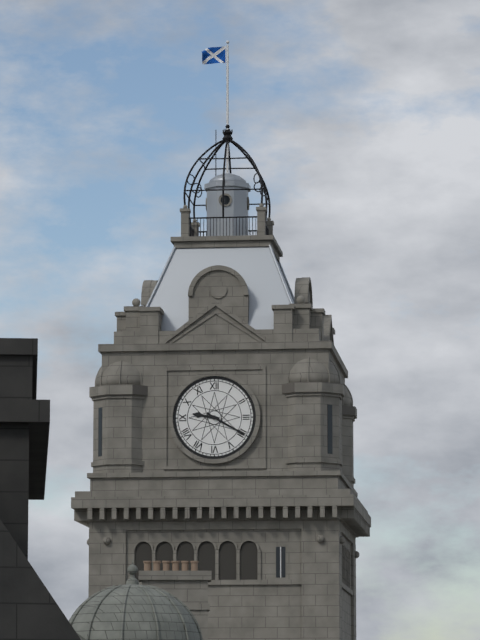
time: **9:20**
